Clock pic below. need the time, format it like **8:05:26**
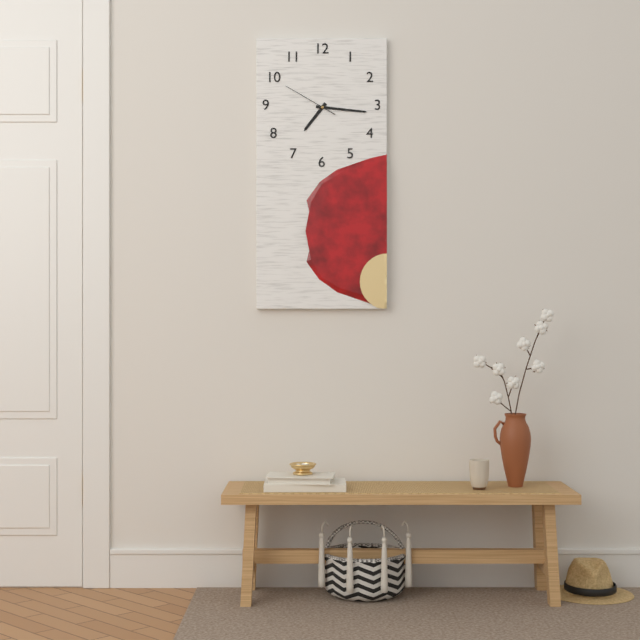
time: **7:16:50**
